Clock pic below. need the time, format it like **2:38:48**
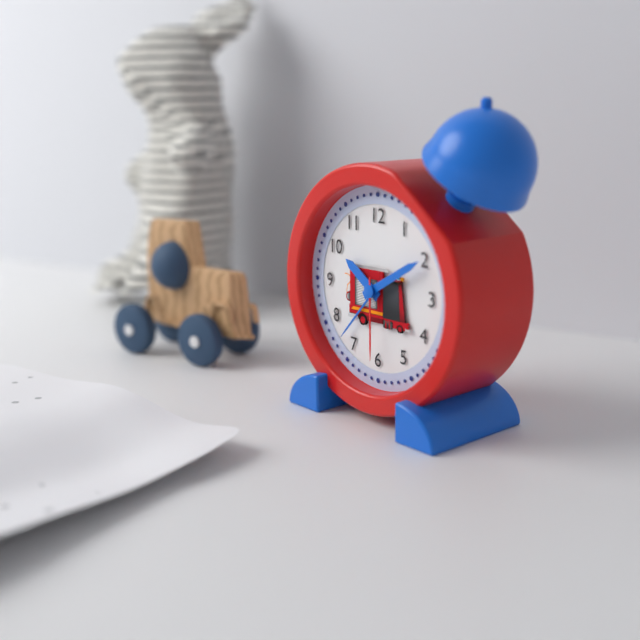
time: **10:10:30**
